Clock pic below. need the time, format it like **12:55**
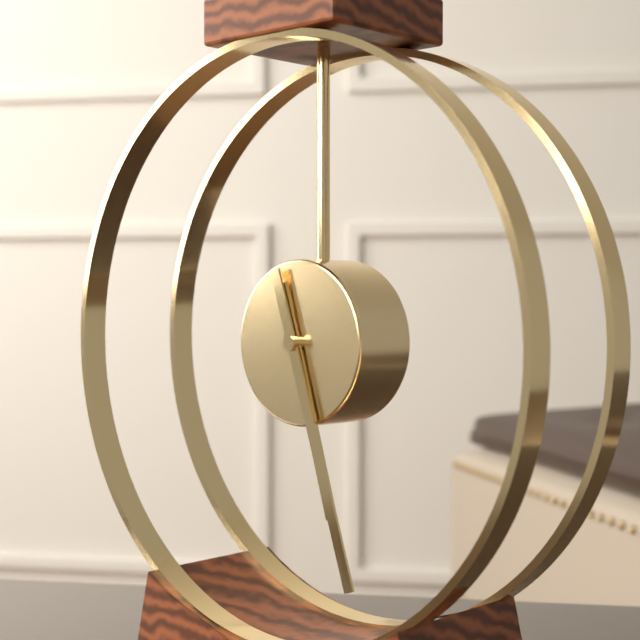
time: **5:27**
